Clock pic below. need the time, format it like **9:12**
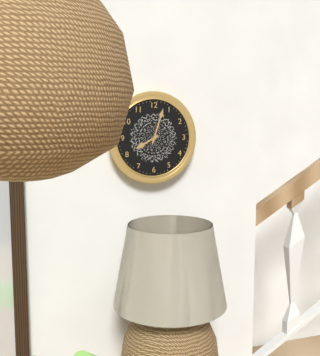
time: **8:03**
